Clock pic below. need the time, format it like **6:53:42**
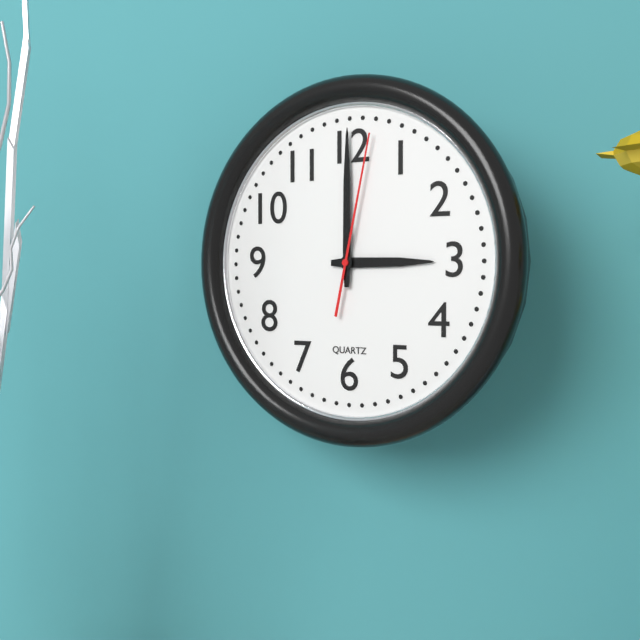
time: **3:00:02**
